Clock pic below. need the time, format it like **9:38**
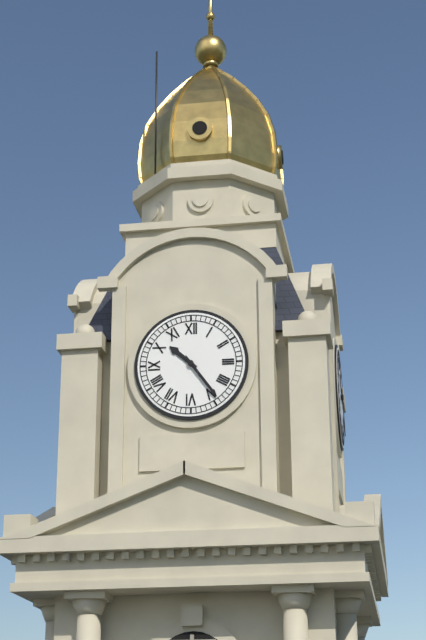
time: **10:24**
